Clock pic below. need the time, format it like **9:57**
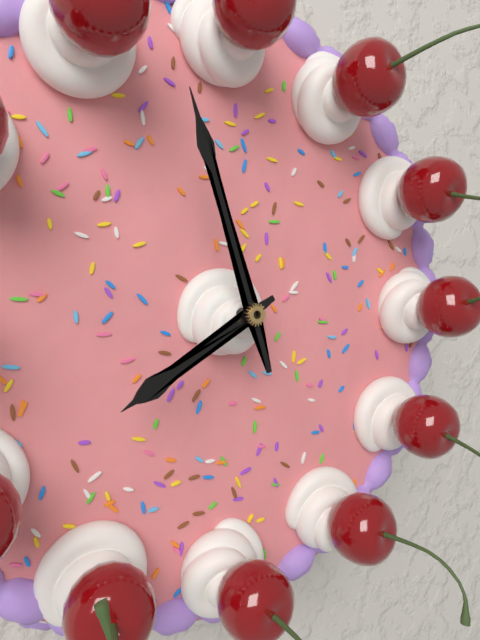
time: **7:57**
